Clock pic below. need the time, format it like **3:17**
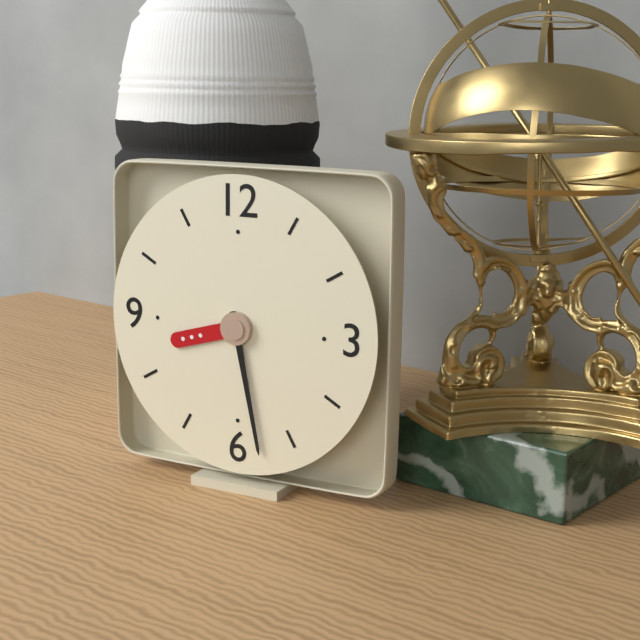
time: **8:28**
